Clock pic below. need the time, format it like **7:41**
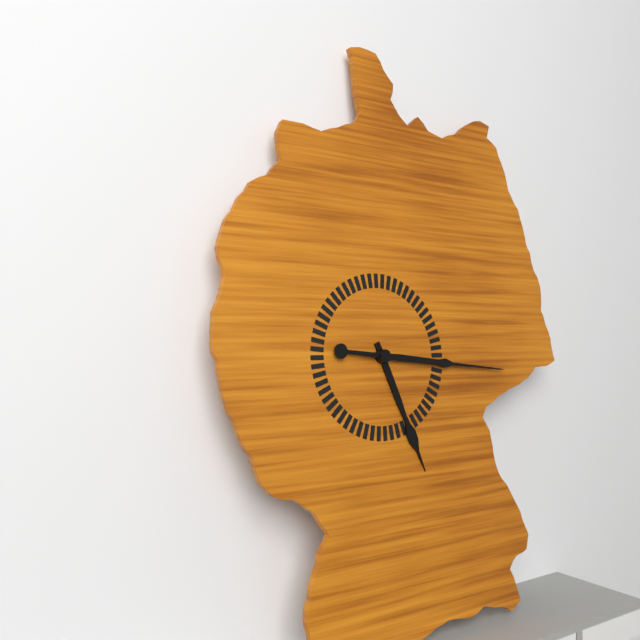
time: **5:16**
